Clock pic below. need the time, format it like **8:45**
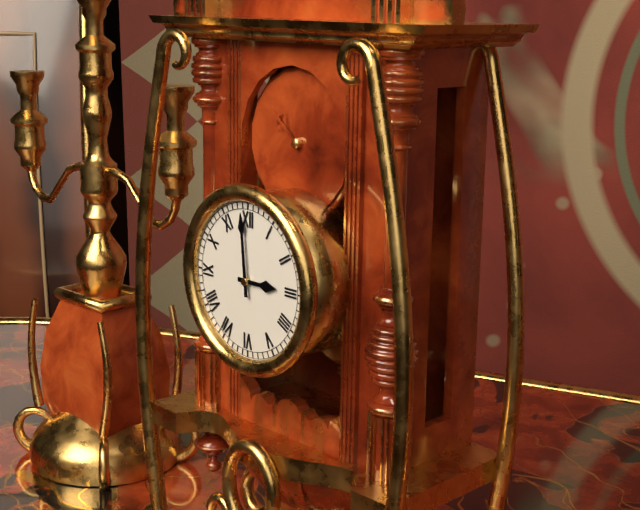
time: **2:59**
